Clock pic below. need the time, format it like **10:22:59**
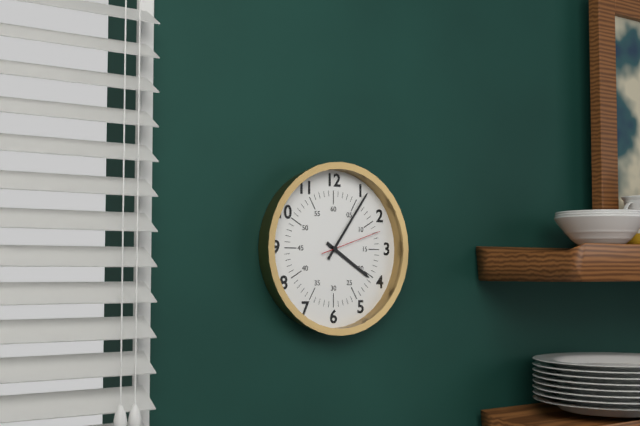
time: **4:06:12**
